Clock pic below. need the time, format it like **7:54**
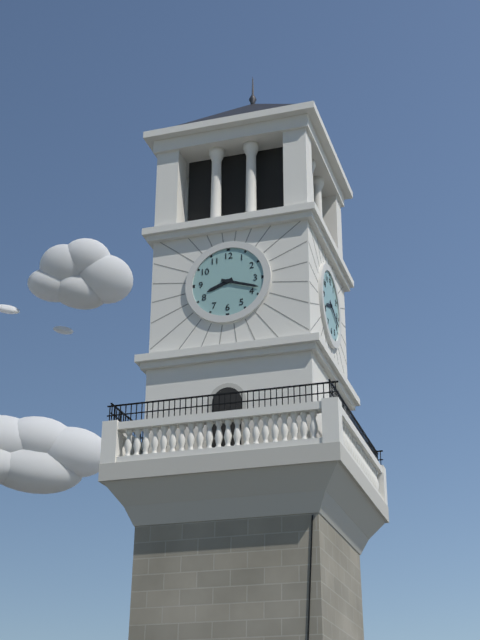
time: **8:18**
